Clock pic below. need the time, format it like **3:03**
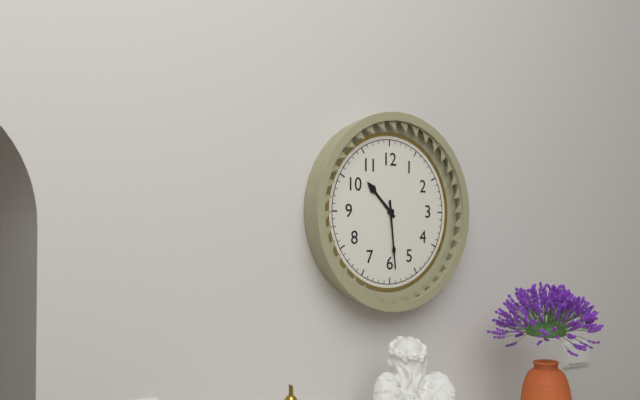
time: **10:29**
